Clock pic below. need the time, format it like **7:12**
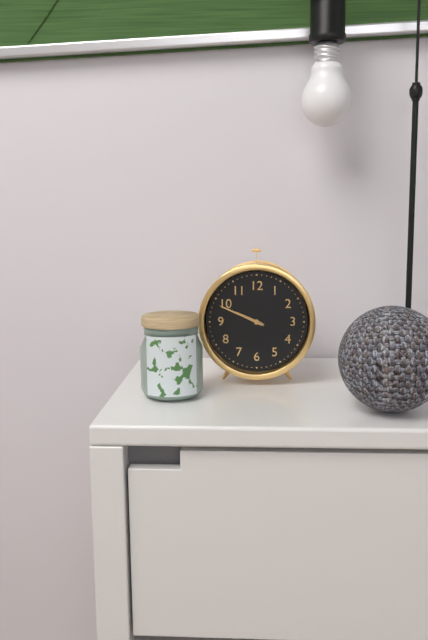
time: **9:49**
